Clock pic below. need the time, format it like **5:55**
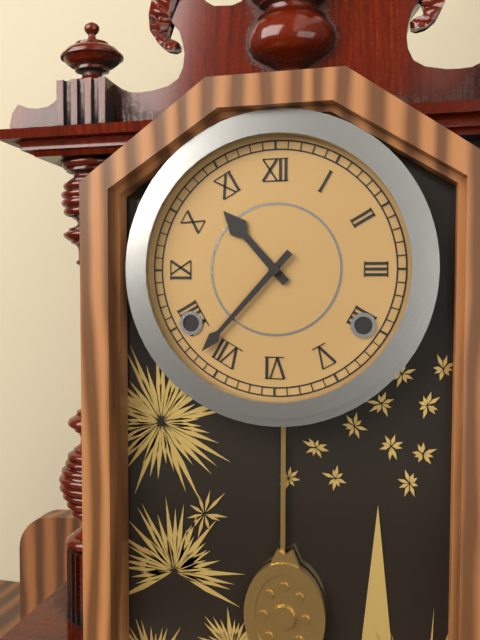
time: **10:37**
